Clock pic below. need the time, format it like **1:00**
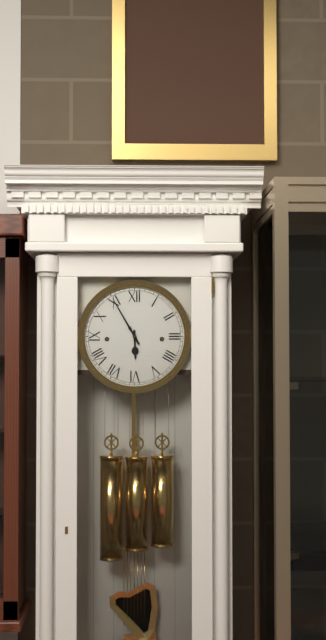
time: **5:55**
